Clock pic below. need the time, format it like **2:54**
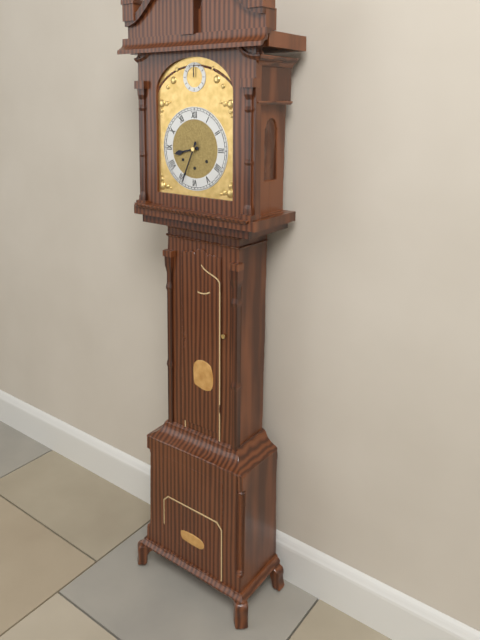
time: **8:34**
